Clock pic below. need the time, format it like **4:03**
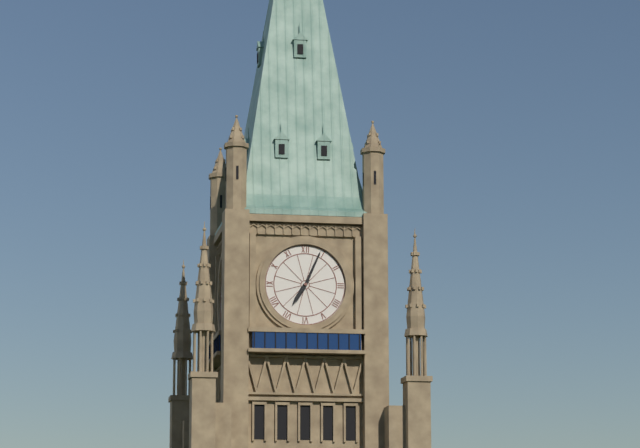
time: **7:04**
